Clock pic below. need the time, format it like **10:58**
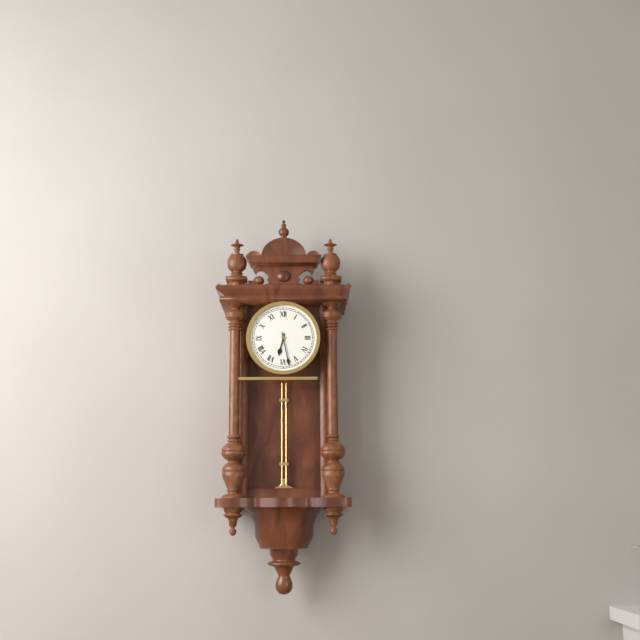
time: **6:28**
